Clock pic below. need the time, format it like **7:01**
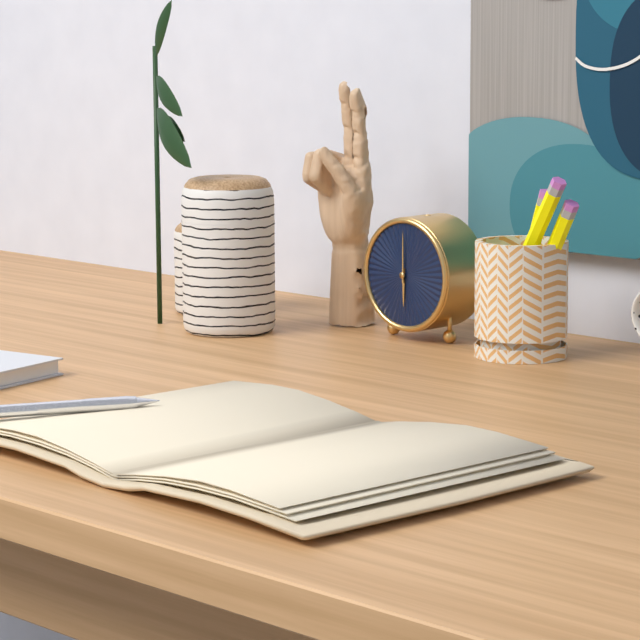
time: **6:00**
